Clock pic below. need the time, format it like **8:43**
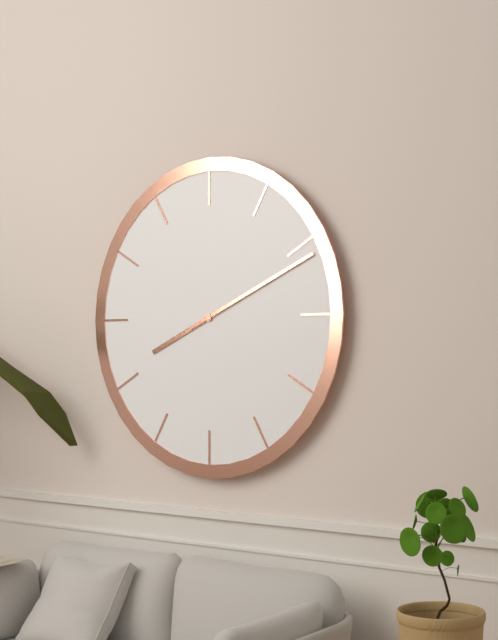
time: **8:11**
